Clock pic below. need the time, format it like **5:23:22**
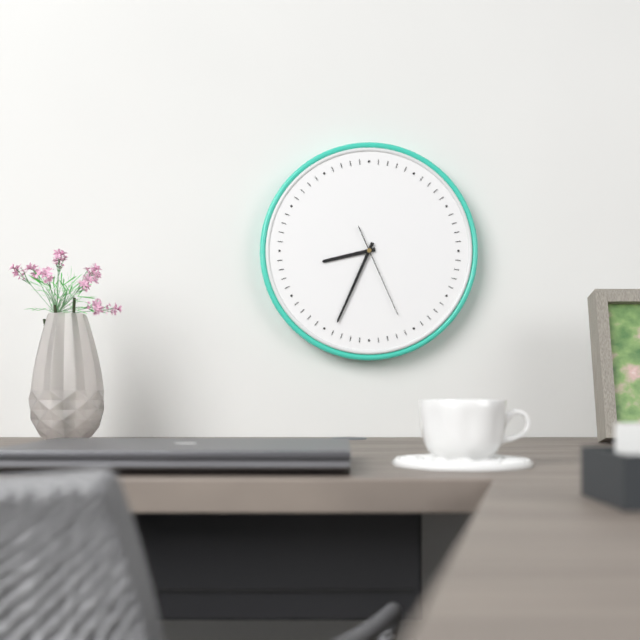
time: **8:34:26**
